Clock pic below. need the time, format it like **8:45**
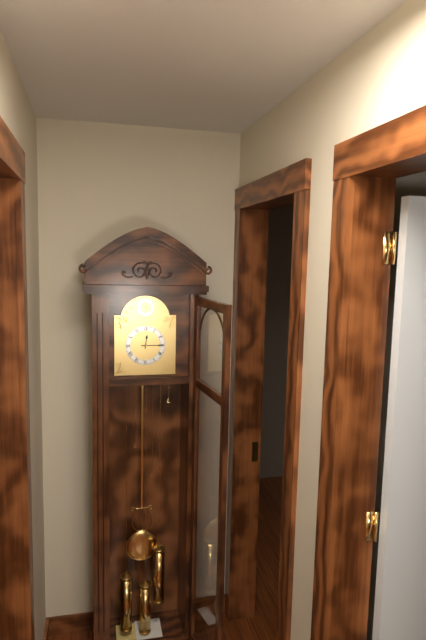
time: **12:15**
